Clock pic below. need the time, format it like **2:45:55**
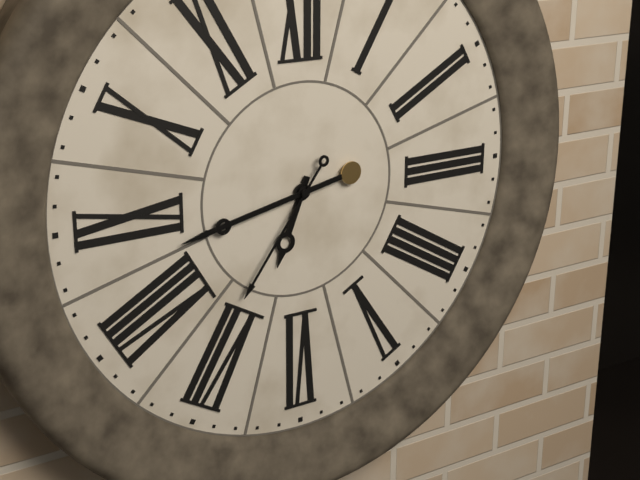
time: **6:43:36**
